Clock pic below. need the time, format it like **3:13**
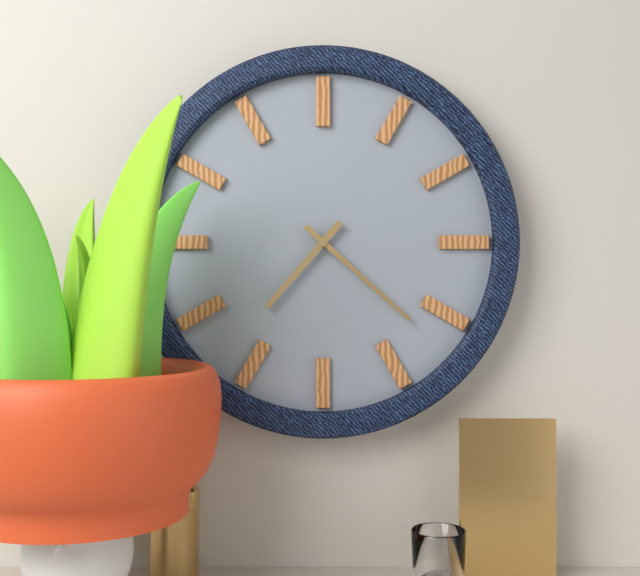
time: **7:22**
